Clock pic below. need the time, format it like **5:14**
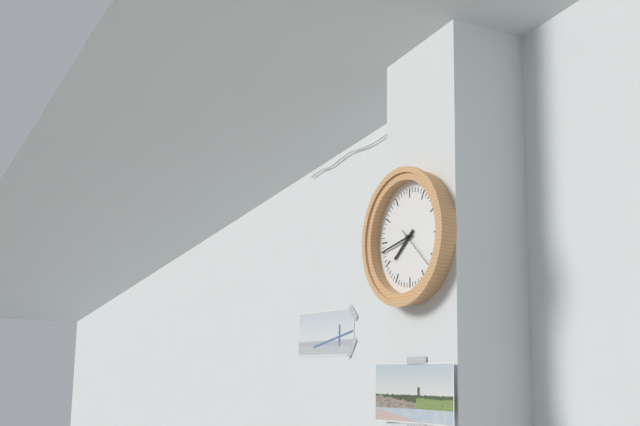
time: **7:43**
